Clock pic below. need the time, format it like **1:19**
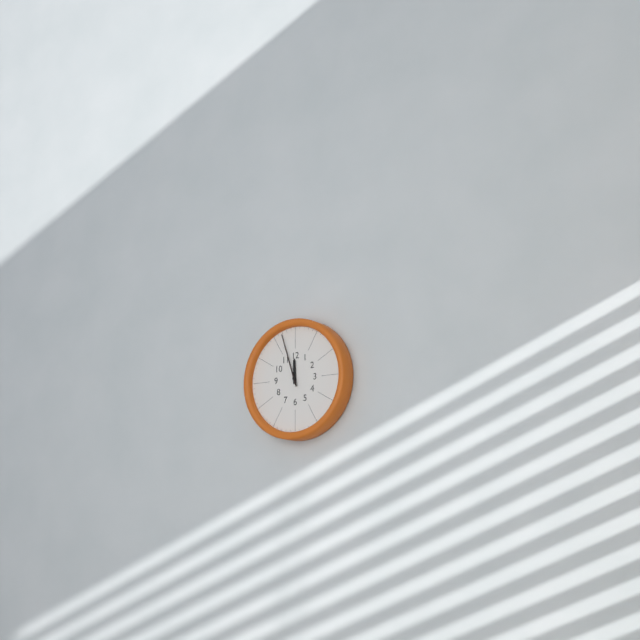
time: **11:57**
